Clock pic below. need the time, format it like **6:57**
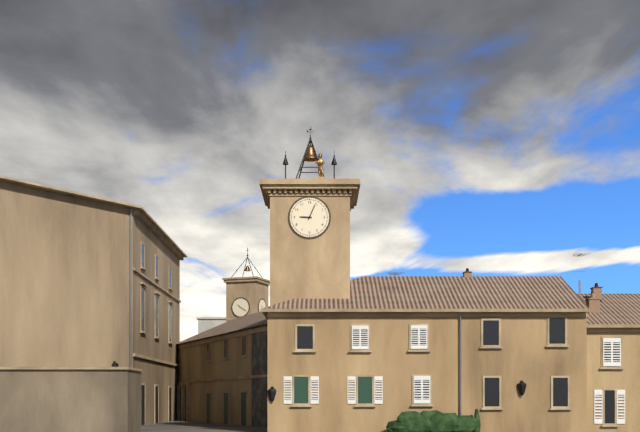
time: **9:04**
